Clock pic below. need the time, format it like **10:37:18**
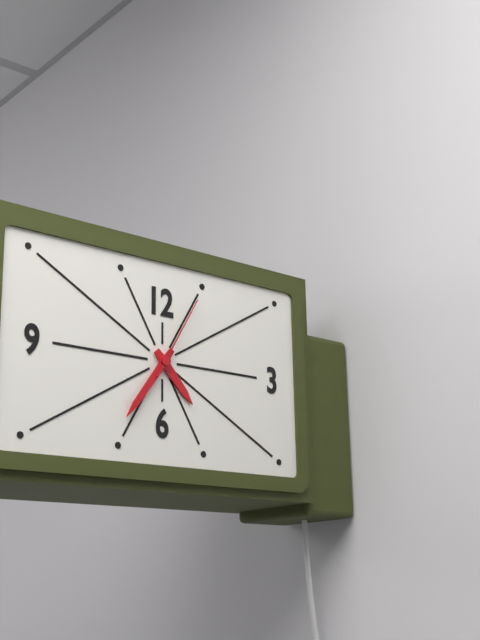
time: **4:36:05**
